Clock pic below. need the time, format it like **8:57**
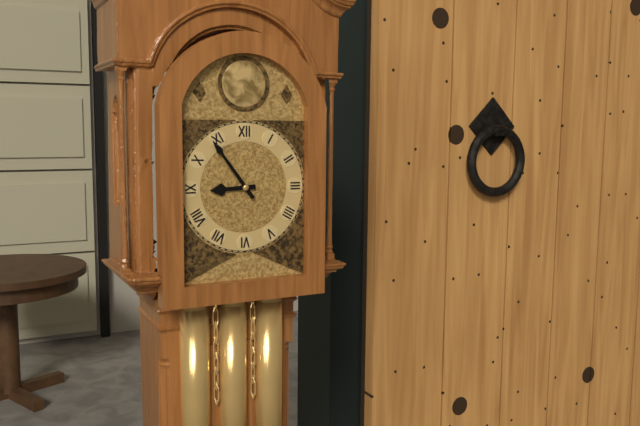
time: **8:54**
